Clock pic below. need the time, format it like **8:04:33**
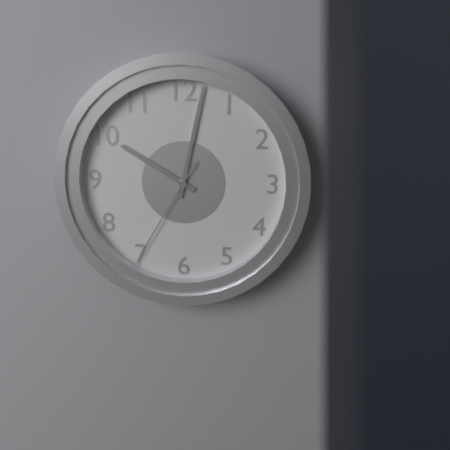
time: **10:02:35**
